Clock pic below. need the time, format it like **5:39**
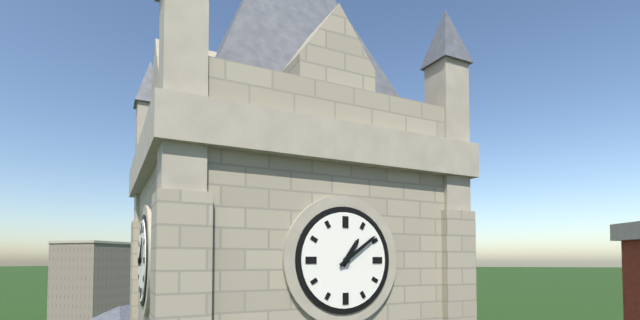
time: **1:09**
